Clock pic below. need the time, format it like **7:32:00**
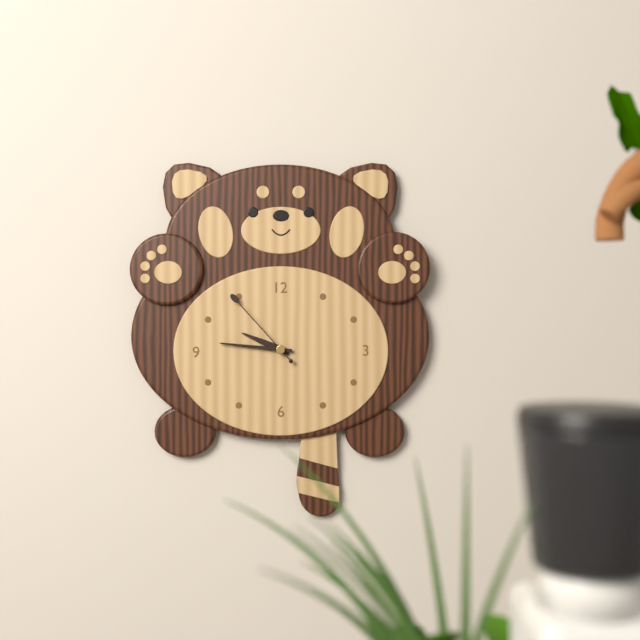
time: **9:46:53**
